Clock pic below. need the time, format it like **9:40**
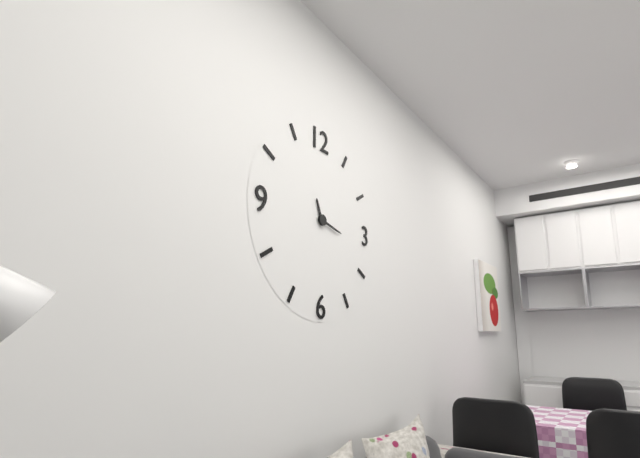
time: **11:17**
